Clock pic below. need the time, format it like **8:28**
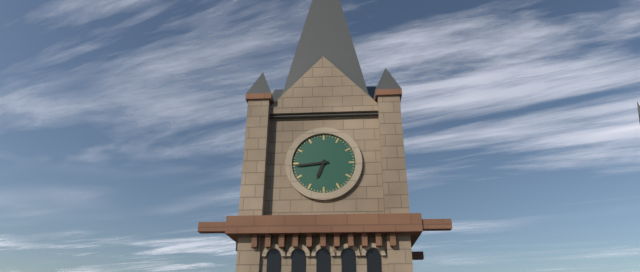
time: **6:44**
